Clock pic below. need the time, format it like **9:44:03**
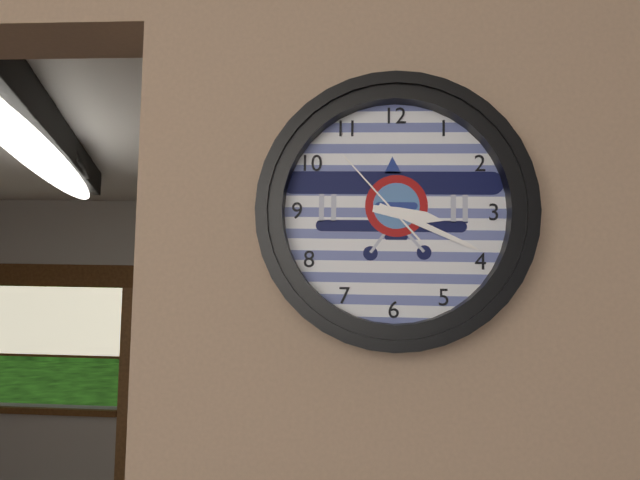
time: **3:19:53**
